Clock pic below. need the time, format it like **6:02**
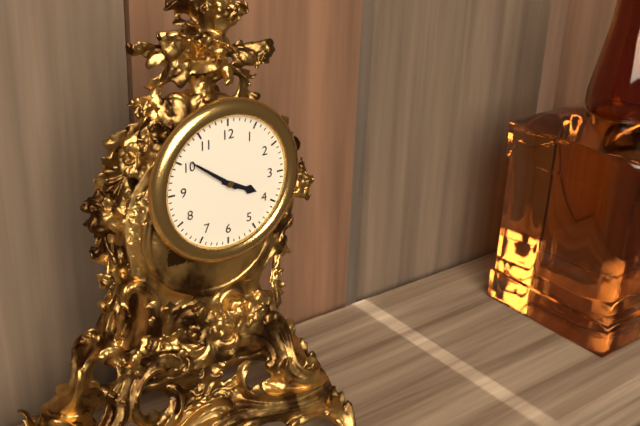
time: **3:51**
